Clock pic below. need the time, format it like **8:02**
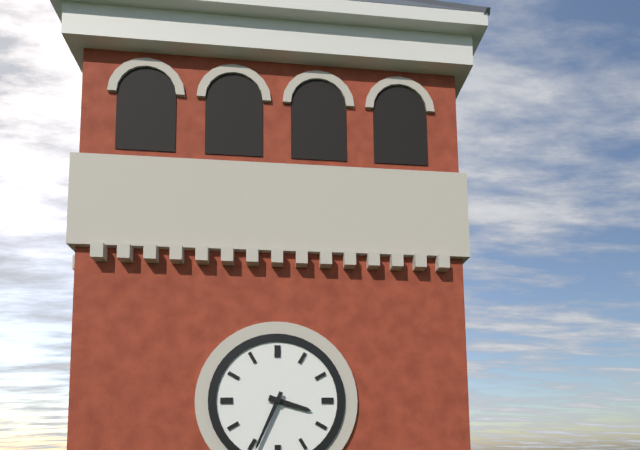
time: **3:34**
